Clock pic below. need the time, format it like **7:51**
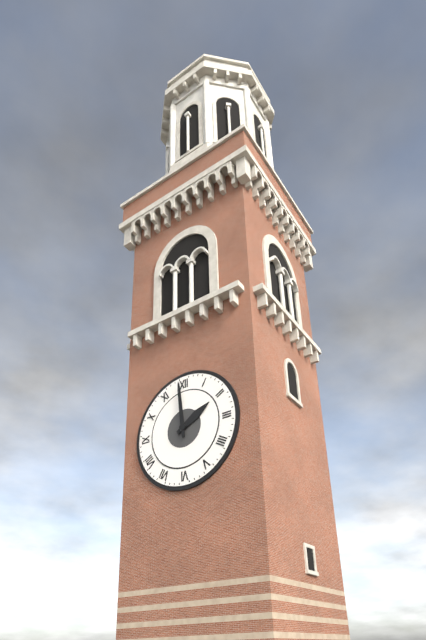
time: **1:59**
